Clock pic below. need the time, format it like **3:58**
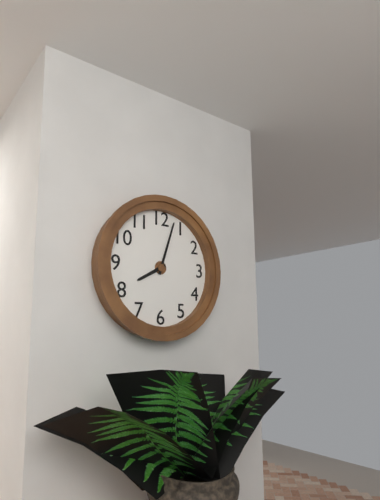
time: **8:03**
